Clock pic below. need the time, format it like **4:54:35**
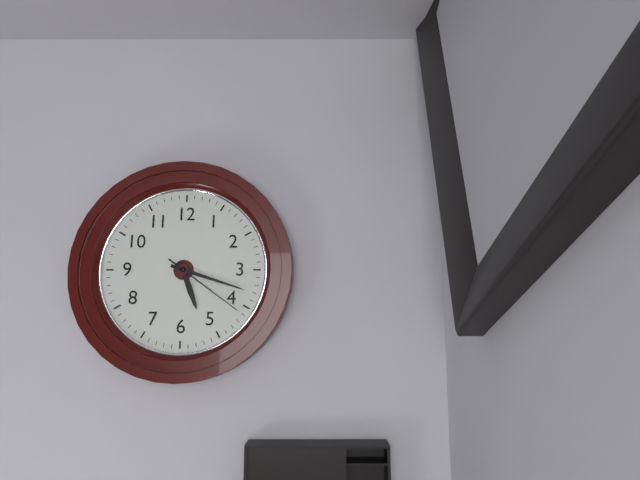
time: **5:18:21**
